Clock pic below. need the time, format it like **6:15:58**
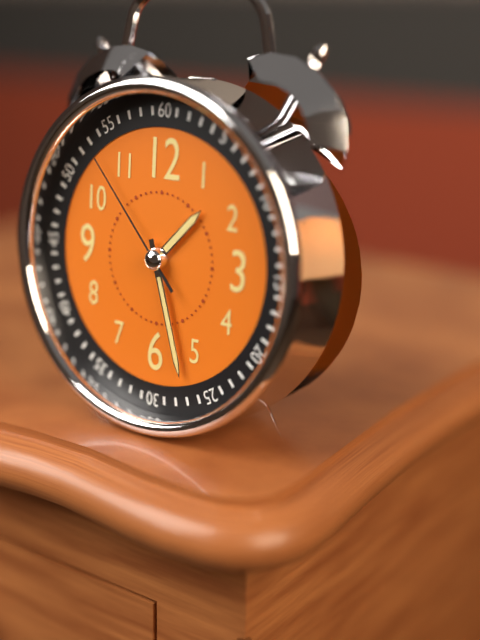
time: **1:27:53**
